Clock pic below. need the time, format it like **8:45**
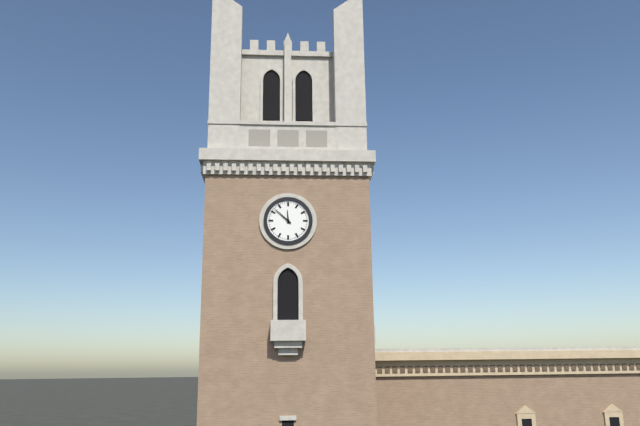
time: **11:52**
